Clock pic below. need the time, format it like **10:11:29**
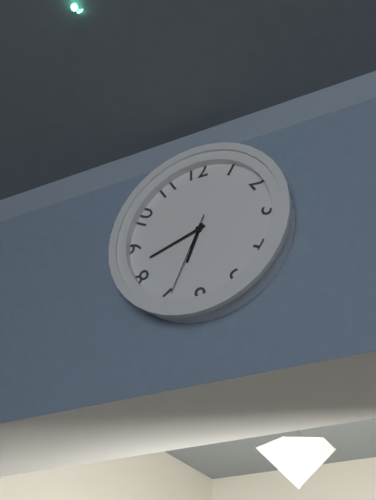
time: **6:42:34**
